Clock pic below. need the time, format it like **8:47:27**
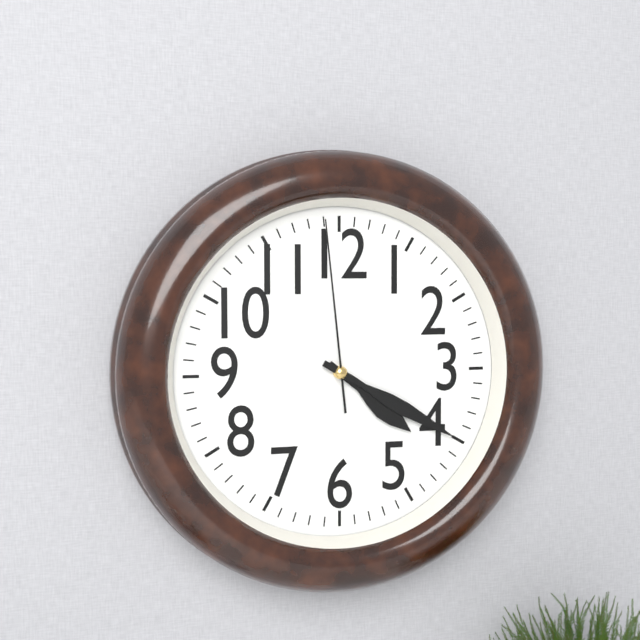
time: **4:20:59**
